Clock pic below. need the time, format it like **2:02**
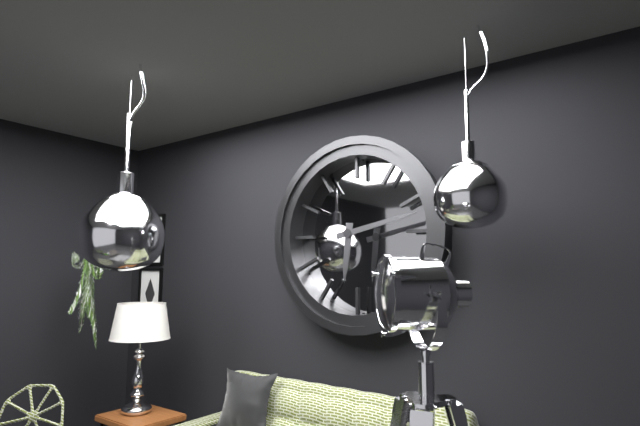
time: **6:13**
